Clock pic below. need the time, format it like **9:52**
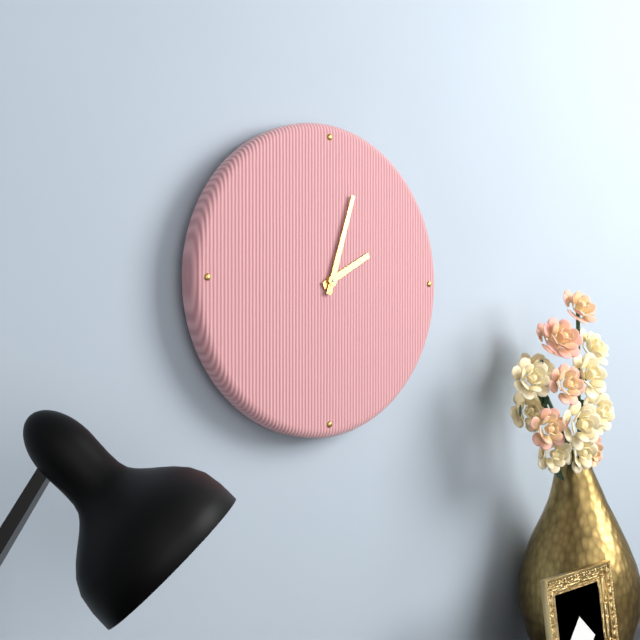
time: **2:03**
